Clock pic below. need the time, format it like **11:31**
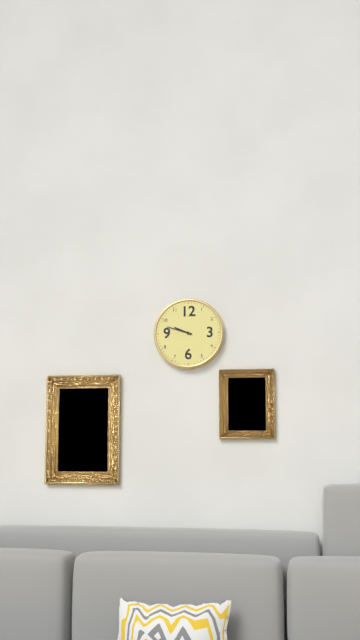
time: **9:48**
